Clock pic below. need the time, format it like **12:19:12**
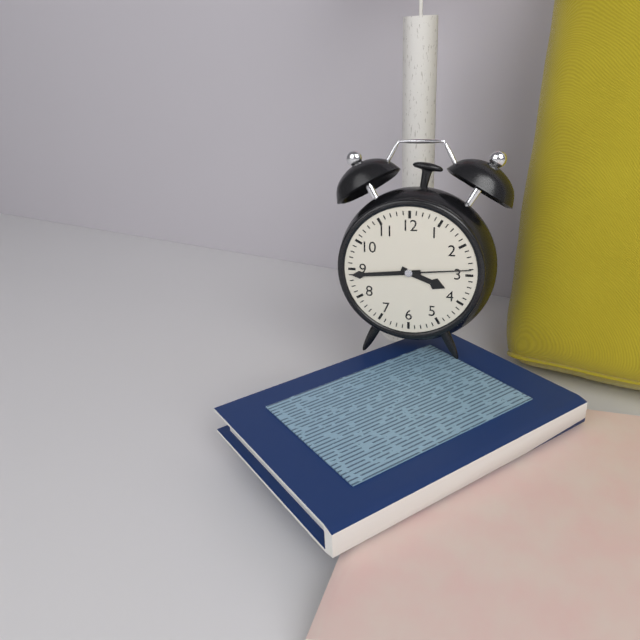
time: **3:44:14**
